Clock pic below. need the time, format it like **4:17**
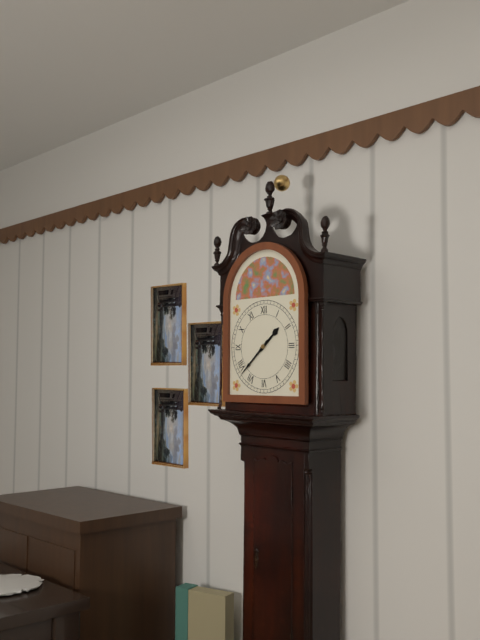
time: **1:38**
